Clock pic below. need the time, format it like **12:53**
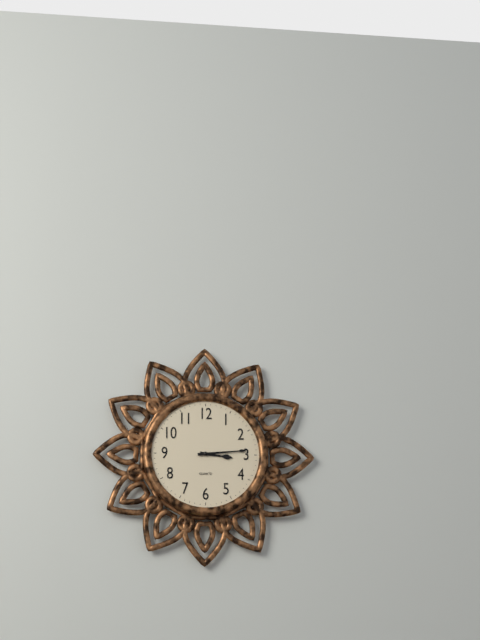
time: **3:14**
